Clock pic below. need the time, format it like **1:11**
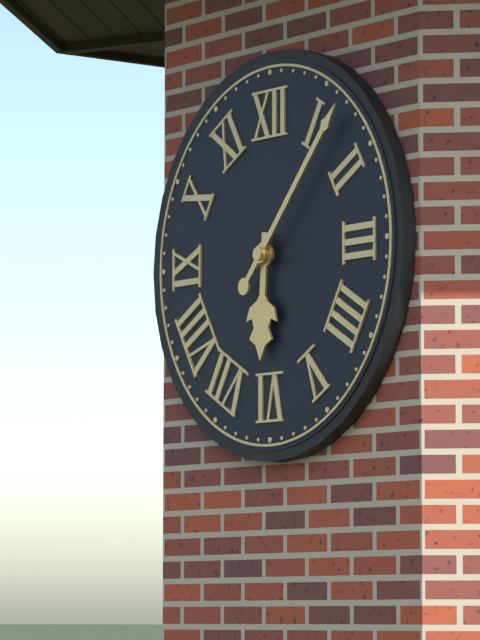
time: **6:07**
